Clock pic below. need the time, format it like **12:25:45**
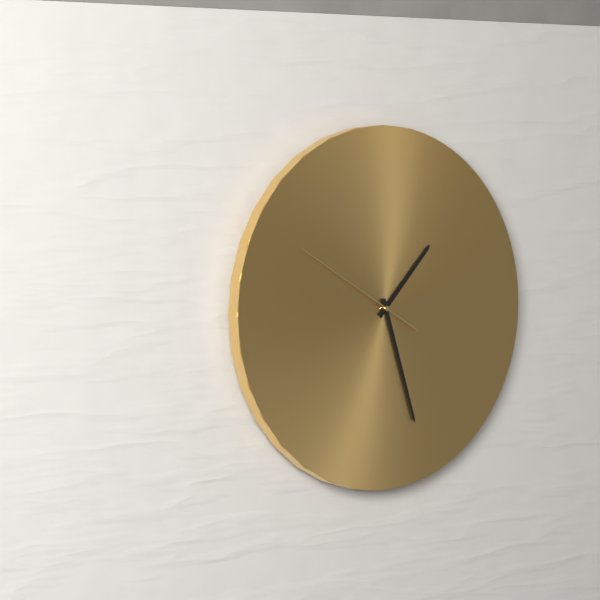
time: **1:27:50**
